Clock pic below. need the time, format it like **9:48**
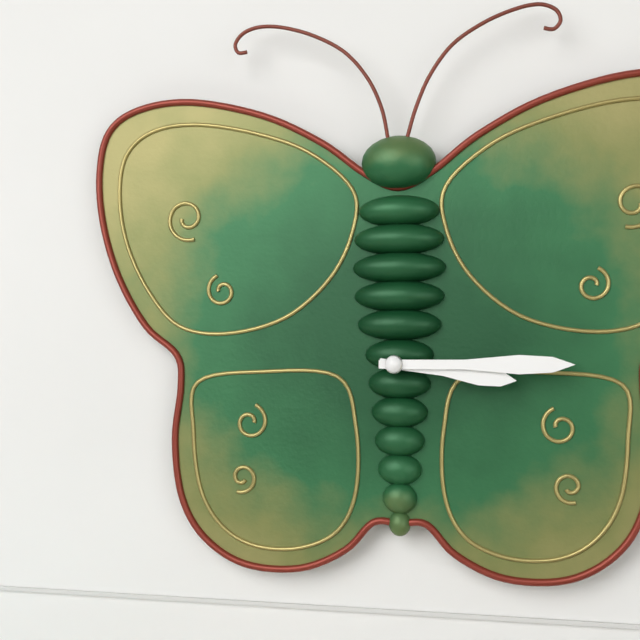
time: **3:15**
